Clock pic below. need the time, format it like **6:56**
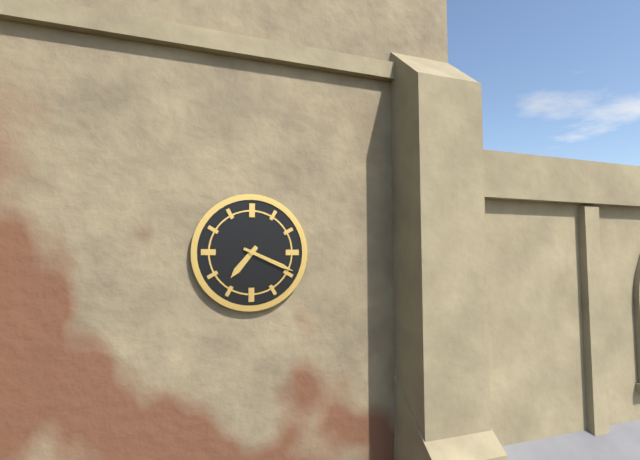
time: **7:19**
